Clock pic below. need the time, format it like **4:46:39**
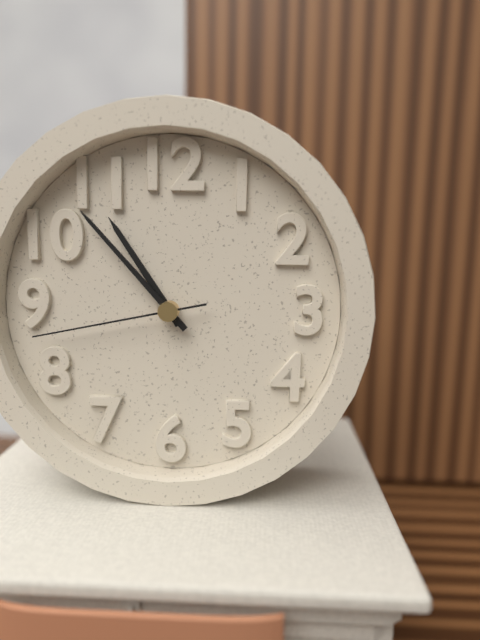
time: **10:53:43**
